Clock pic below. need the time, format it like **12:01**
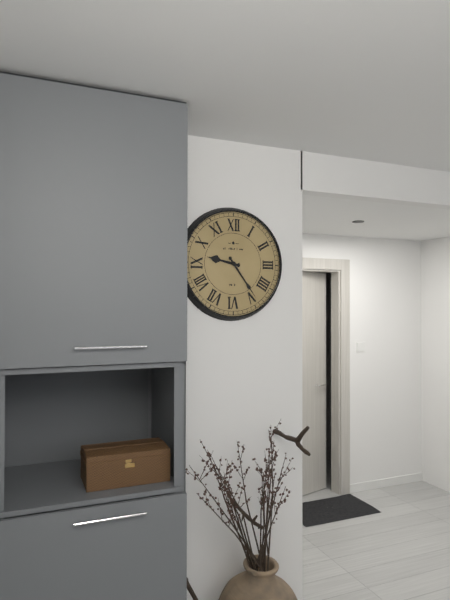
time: **9:24**
